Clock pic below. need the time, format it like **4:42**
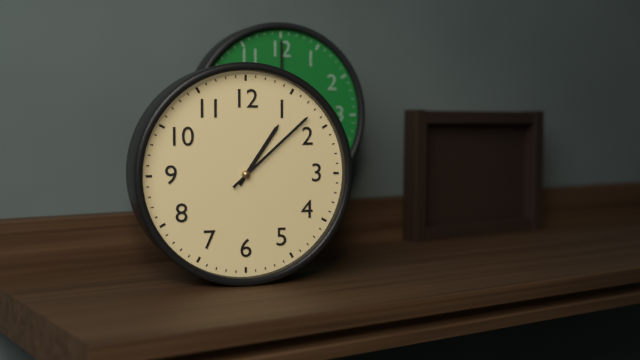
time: **1:08**
